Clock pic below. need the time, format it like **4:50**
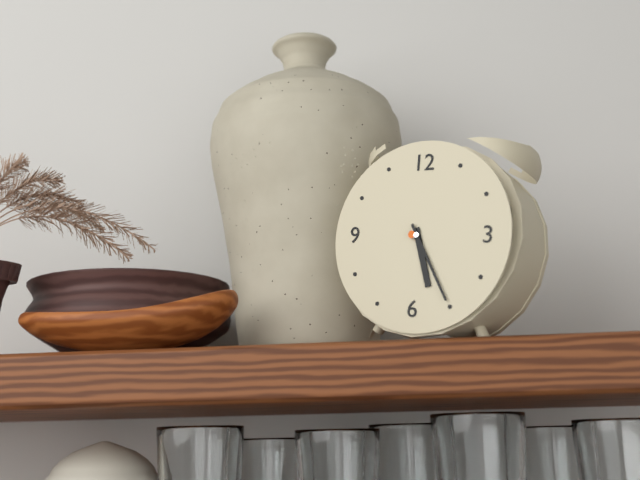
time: **5:25**
